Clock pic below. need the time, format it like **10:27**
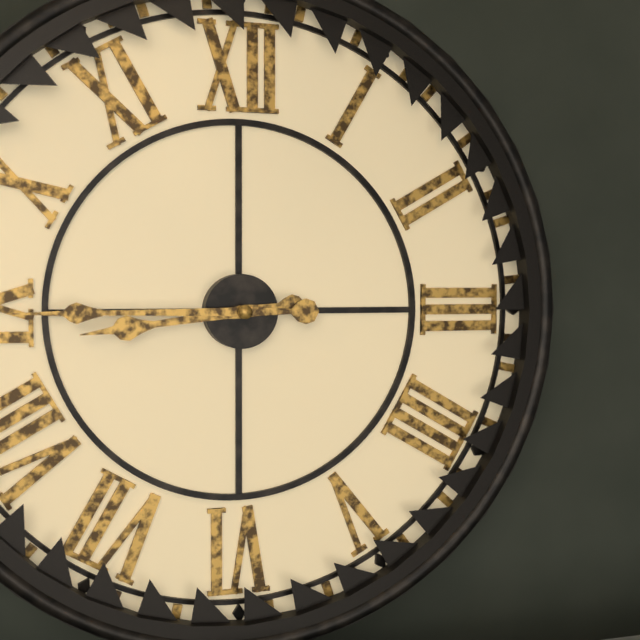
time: **8:45**
